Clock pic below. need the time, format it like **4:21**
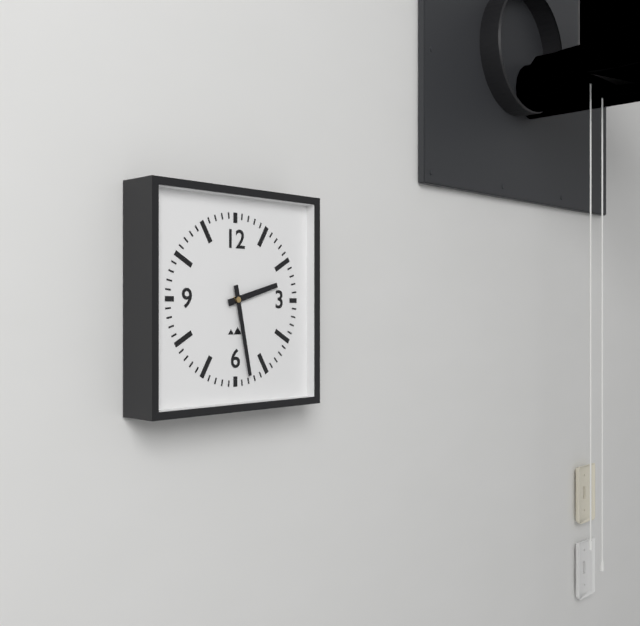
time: **2:28**
